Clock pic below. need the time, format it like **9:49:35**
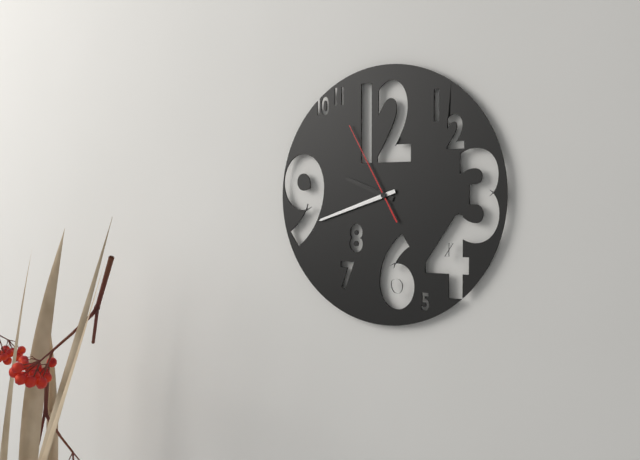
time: **9:42:55**
